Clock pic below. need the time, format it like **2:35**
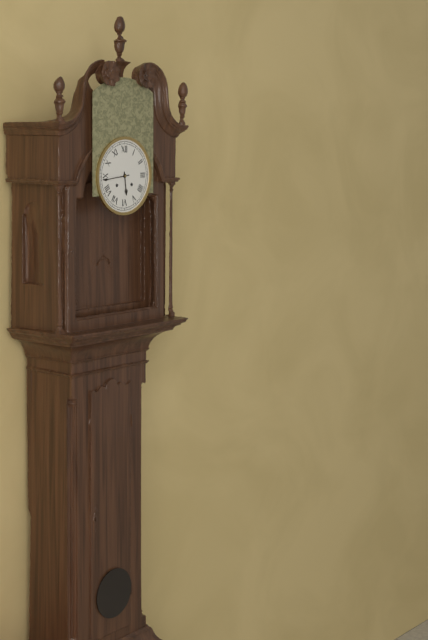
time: **5:44**
